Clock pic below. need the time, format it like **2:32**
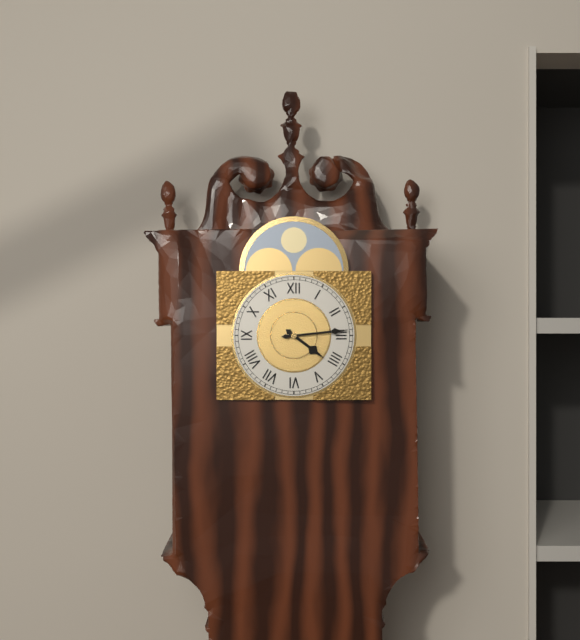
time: **4:14**
